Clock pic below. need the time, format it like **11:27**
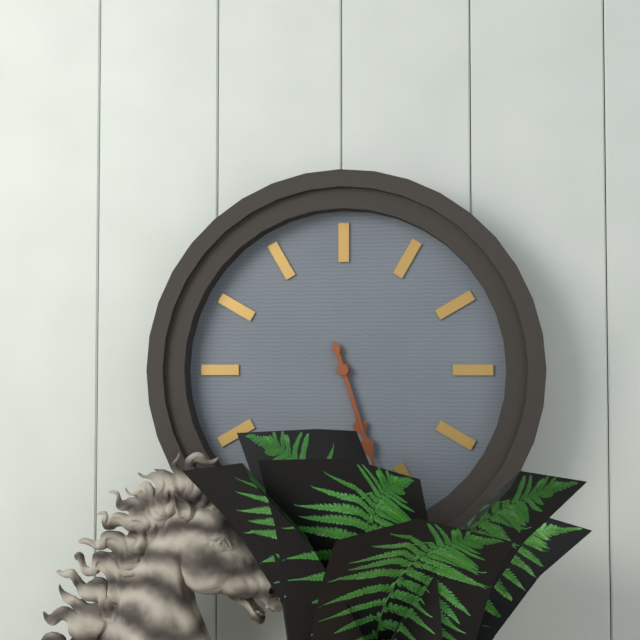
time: **5:27**
